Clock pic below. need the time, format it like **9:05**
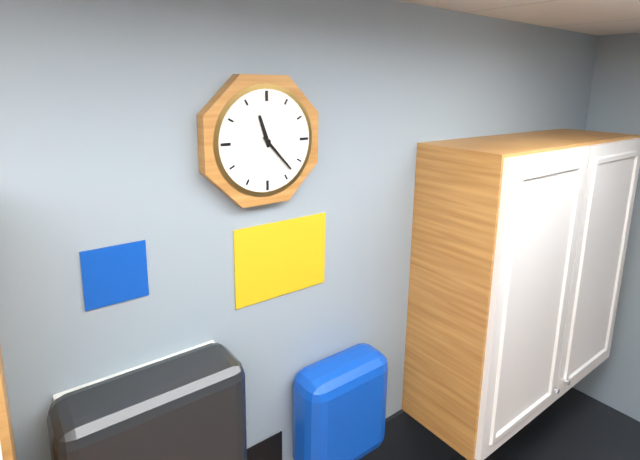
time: **11:23**
